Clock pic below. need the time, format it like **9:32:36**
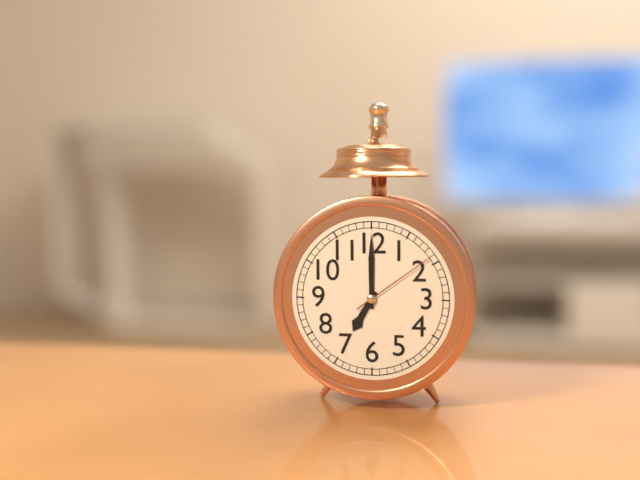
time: **7:00:09**
